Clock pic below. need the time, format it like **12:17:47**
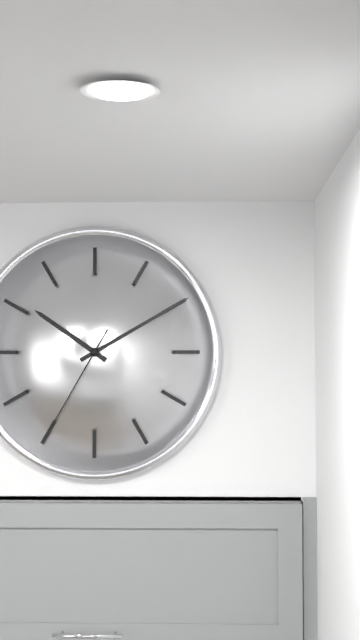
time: **10:10:35**
